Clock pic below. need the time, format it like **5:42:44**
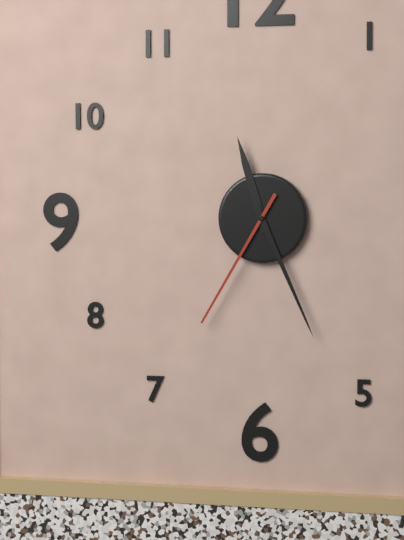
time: **11:26:35**
